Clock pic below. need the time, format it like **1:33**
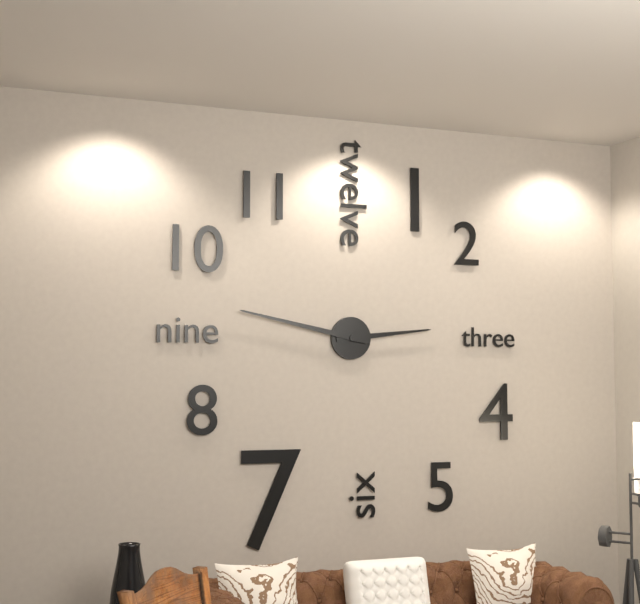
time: **2:47**
